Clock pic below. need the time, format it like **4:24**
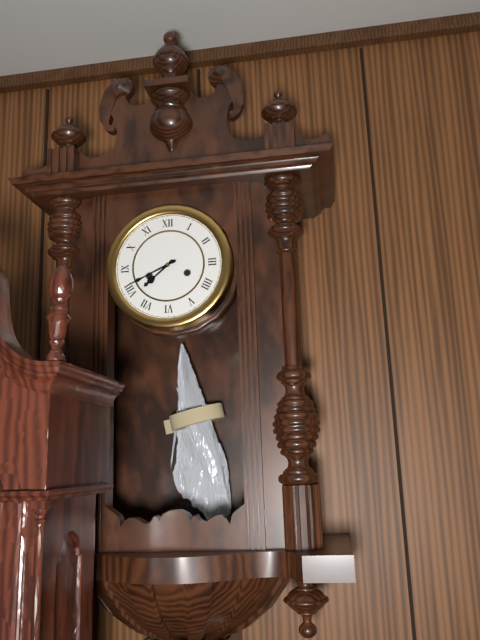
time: **7:41**
